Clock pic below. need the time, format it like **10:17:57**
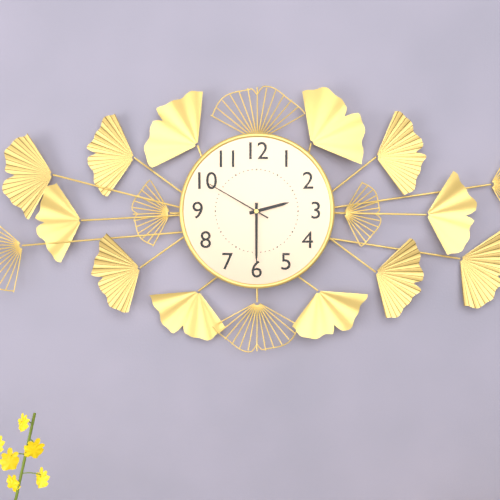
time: **2:30:50**
